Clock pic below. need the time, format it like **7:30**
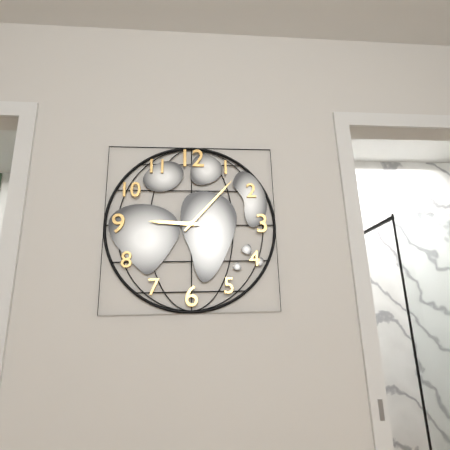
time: **9:07**
